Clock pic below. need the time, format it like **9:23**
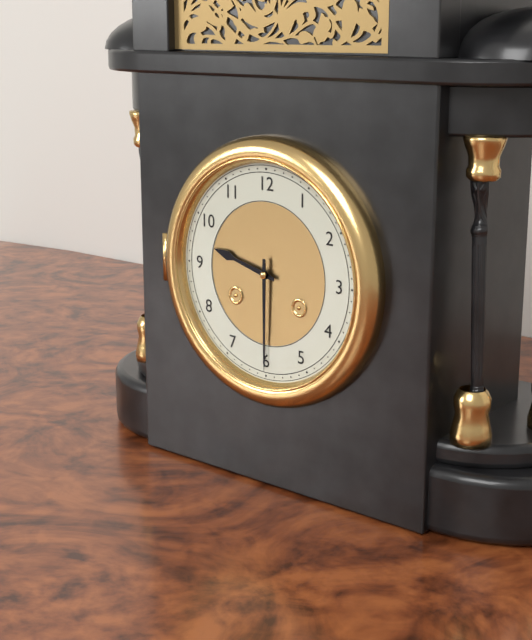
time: **9:30**
